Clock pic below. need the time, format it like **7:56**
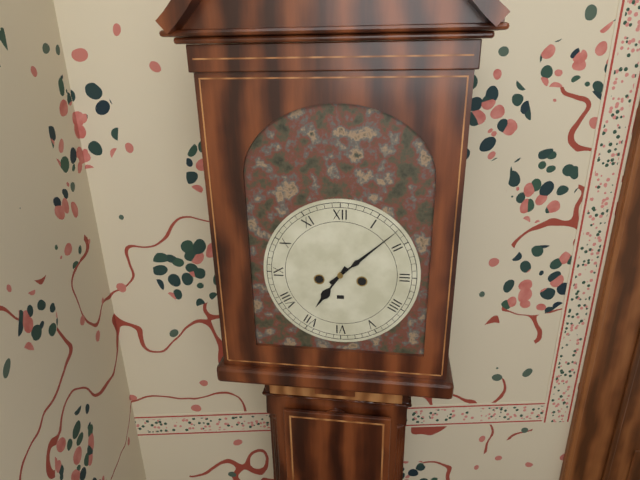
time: **7:08**
